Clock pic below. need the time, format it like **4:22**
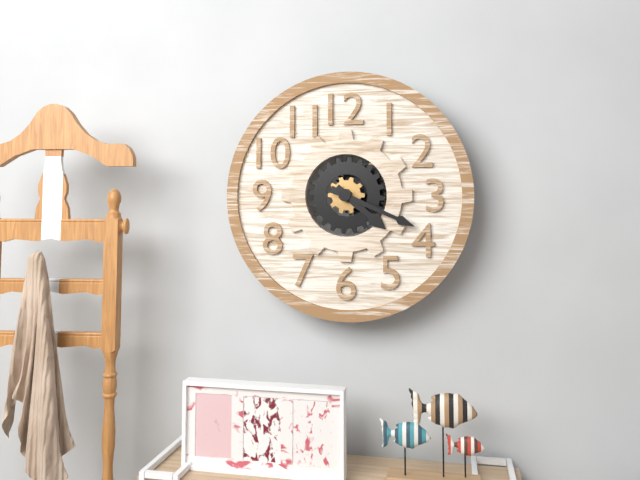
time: **4:19**
